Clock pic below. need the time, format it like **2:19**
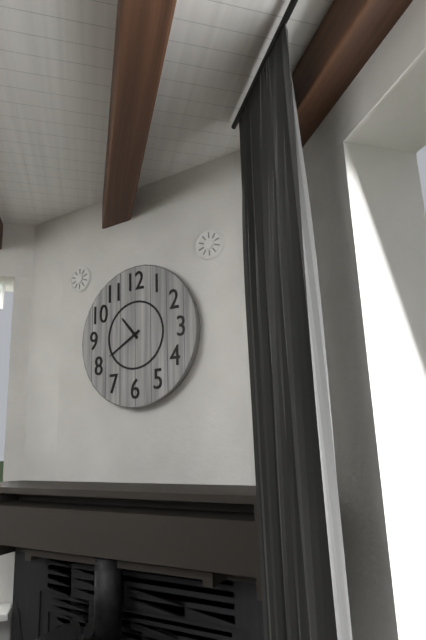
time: **10:40**
